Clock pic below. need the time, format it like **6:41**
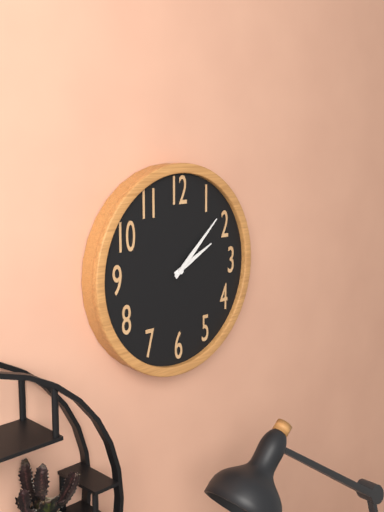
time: **2:08**
